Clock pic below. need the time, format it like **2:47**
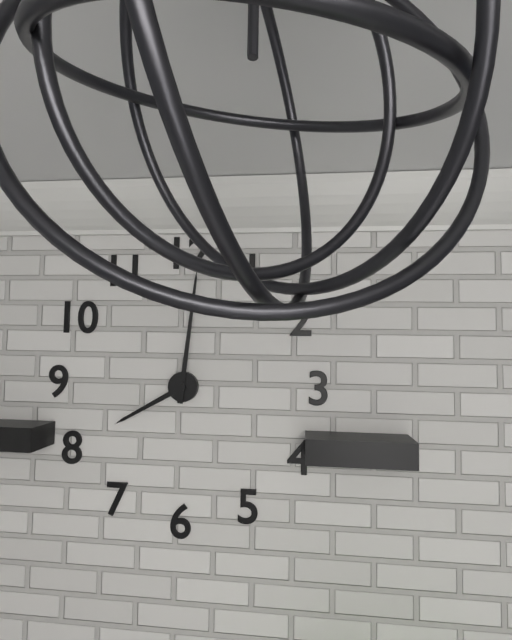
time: **8:01**
